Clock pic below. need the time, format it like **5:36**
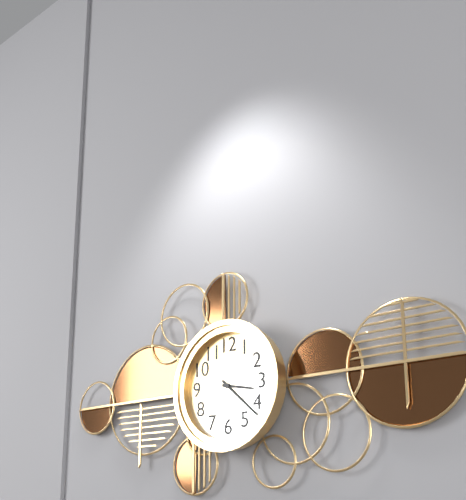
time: **3:22**
